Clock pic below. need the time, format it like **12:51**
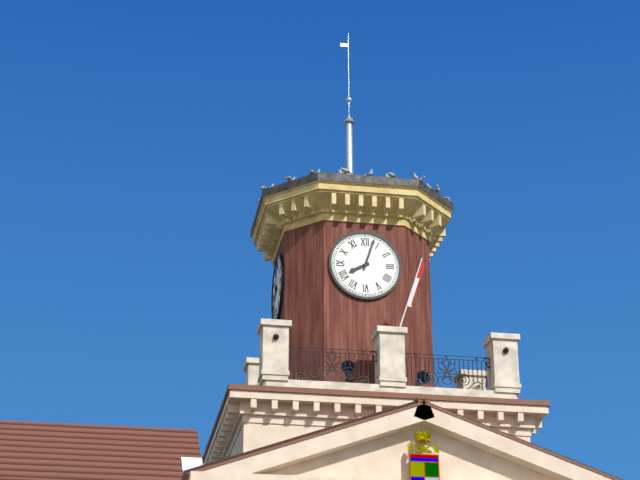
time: **8:03**
